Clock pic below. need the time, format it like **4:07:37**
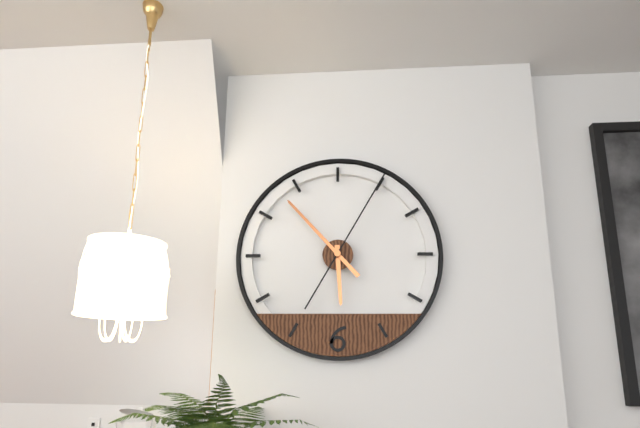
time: **5:53:05**
